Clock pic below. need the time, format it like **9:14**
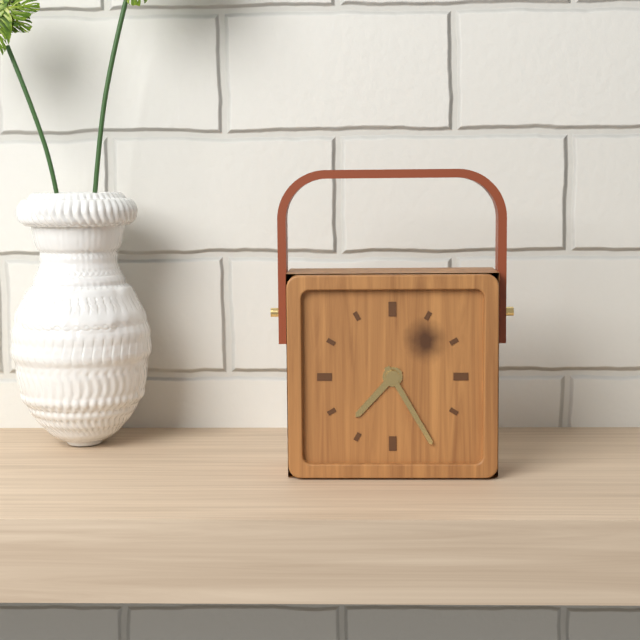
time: **7:25**
